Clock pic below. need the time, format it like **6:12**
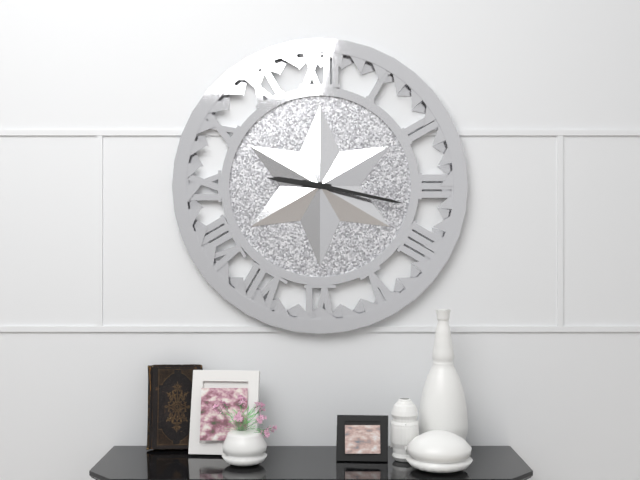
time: **9:17**
